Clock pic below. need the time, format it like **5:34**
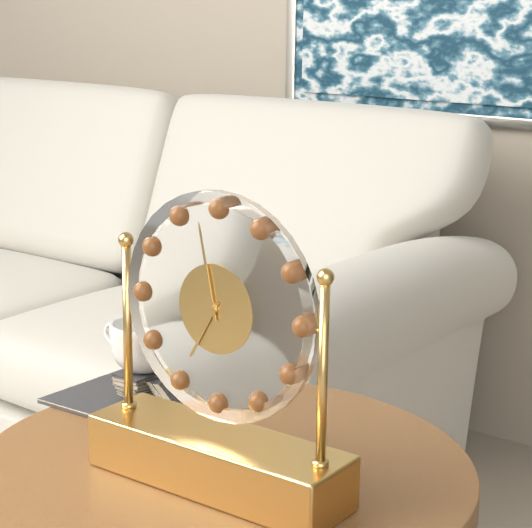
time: **6:58**
